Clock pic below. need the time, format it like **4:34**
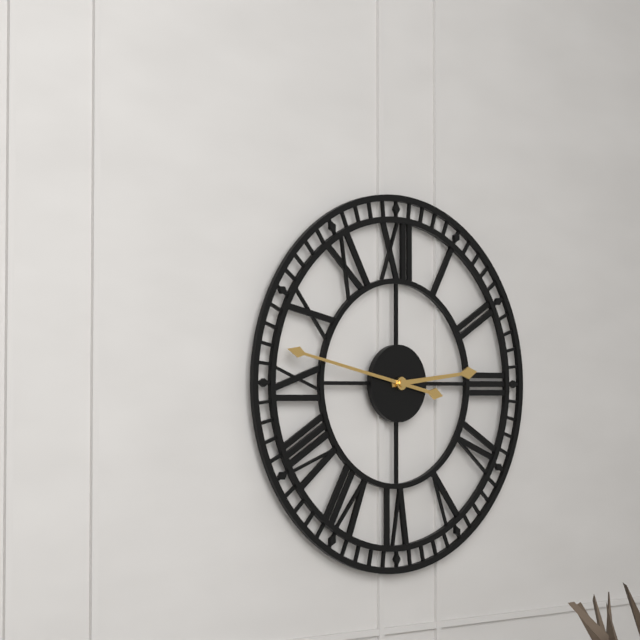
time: **2:47**
